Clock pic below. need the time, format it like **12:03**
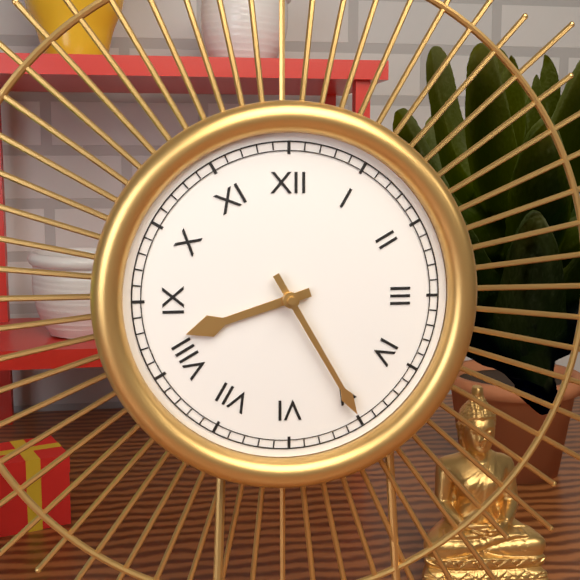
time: **8:25**
